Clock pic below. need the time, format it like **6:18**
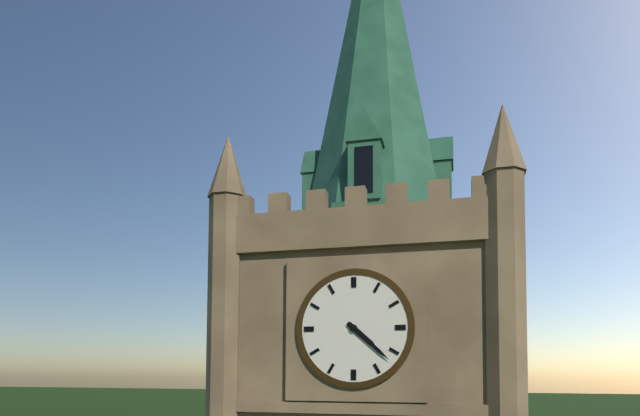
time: **4:22**
